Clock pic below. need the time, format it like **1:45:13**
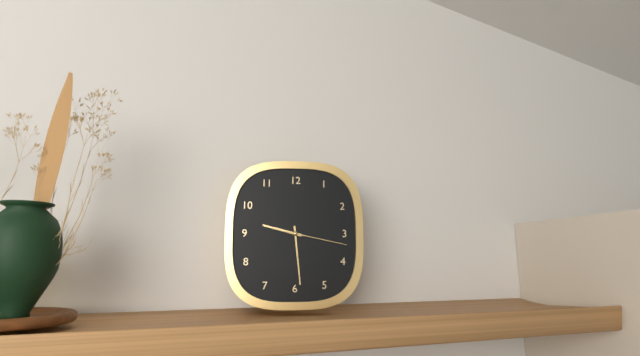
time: **9:29:17**
